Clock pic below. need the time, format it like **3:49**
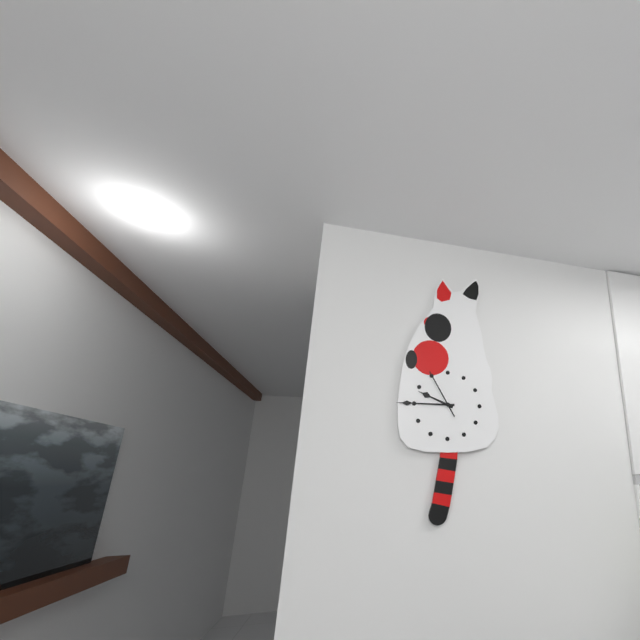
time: **9:45**
